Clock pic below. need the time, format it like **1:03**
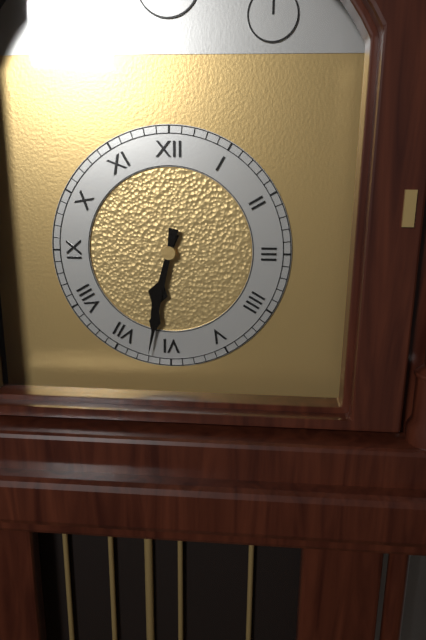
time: **6:32**
